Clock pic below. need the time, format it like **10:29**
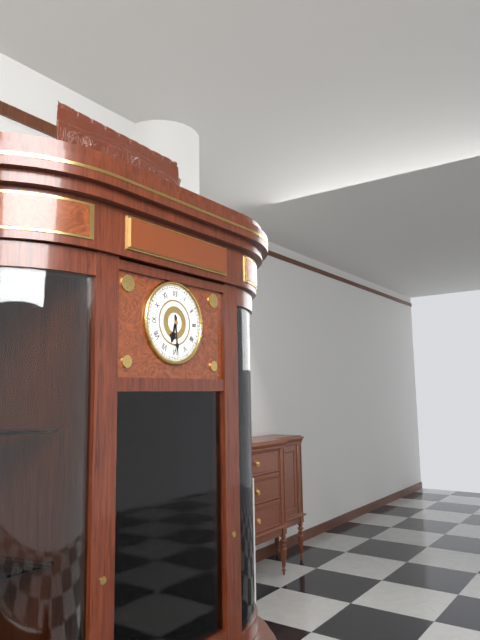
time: **6:29**
